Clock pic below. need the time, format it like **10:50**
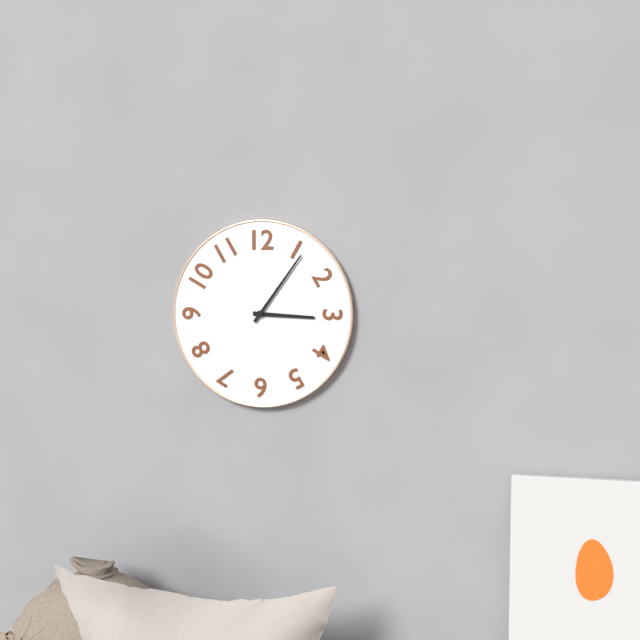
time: **3:06**
